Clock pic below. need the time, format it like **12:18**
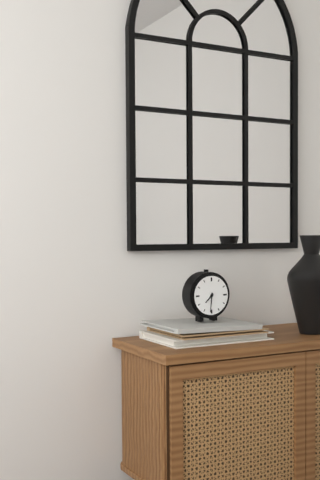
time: **7:31**
